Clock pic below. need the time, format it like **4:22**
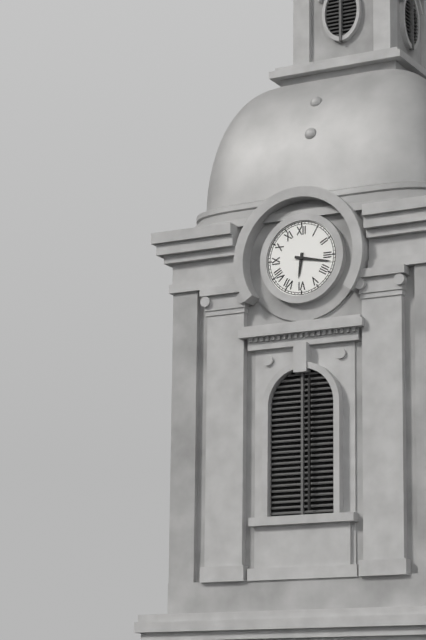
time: **6:17**
